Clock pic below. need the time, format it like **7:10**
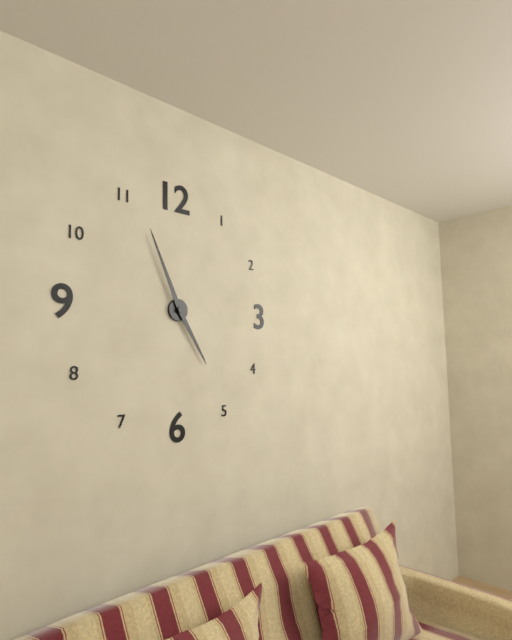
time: **4:56**
